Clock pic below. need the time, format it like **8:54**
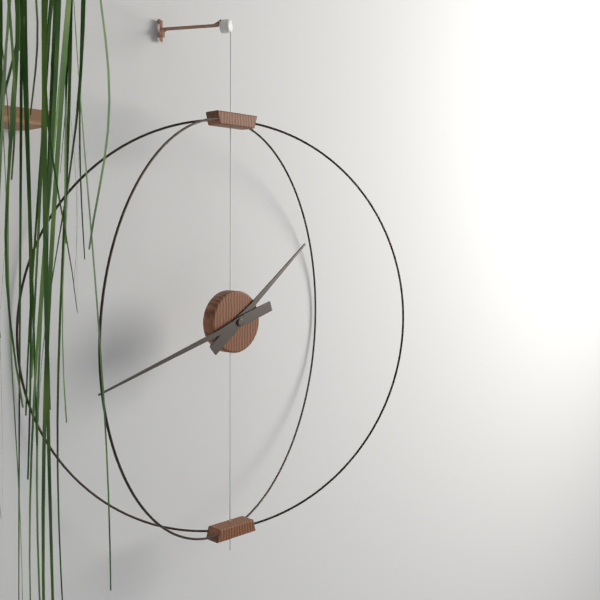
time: **1:42**
